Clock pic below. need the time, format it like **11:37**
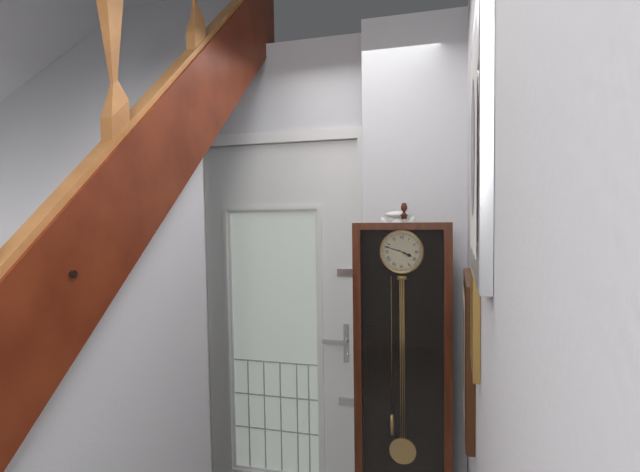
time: **3:48**
